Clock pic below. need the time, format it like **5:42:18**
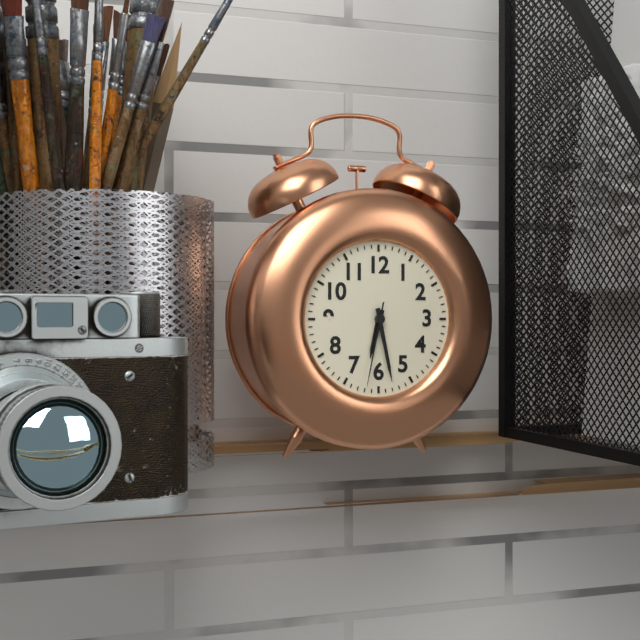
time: **6:28:32**
